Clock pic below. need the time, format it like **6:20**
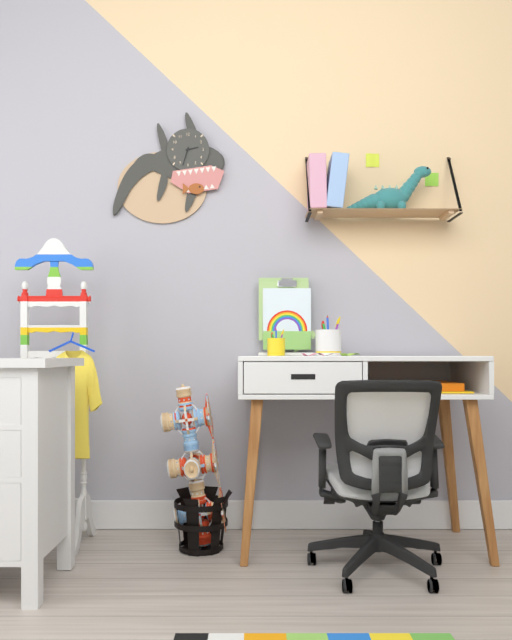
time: **2:33**
